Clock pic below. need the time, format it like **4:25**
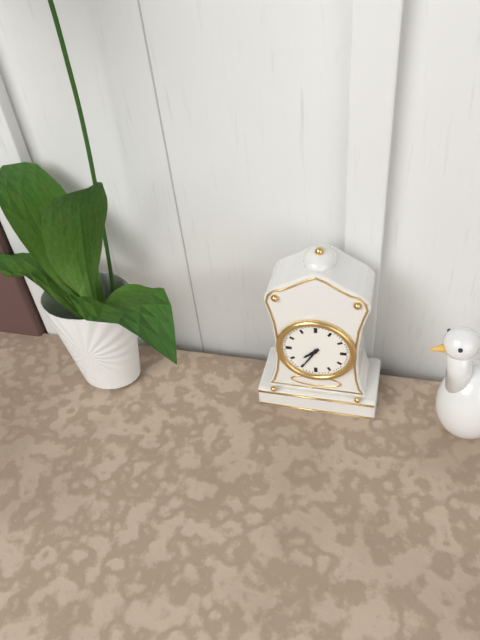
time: **7:35**
